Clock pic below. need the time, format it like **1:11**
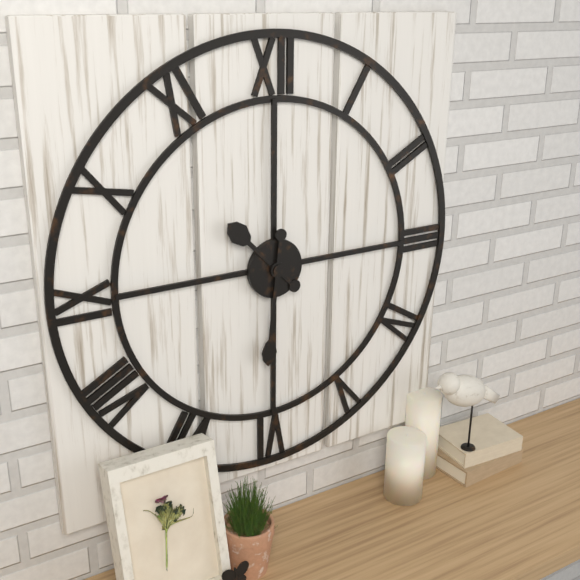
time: **10:31**
